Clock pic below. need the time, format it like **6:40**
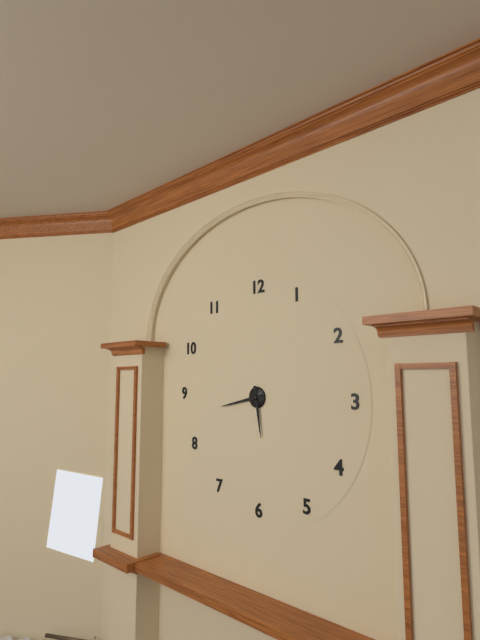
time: **5:43**
